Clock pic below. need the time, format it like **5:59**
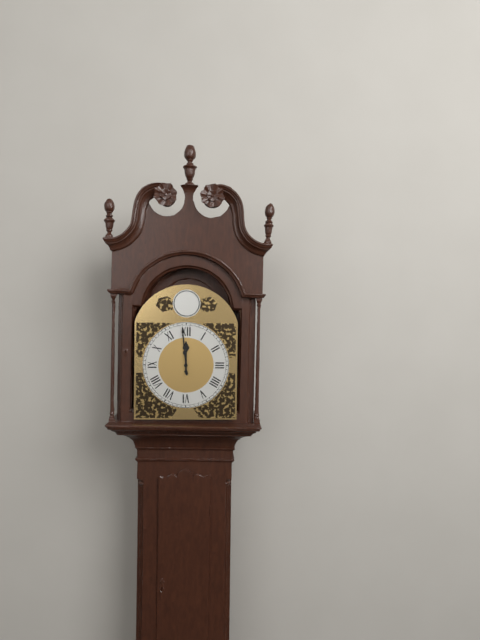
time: **11:59**
